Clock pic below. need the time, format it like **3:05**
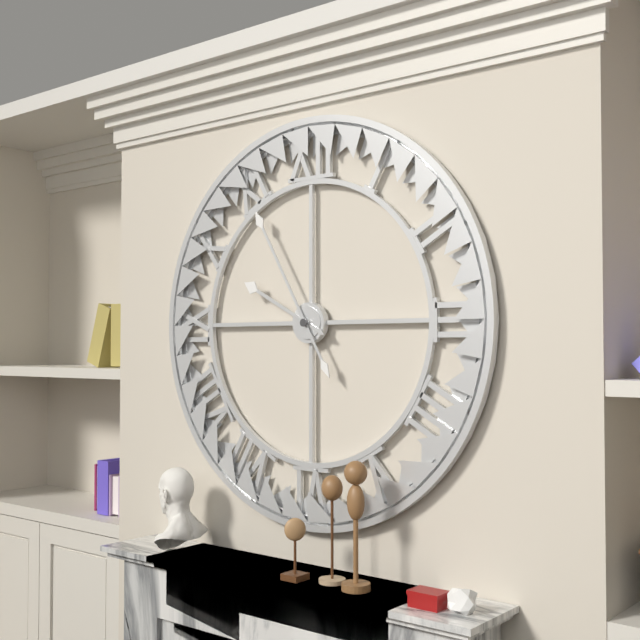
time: **9:55**
